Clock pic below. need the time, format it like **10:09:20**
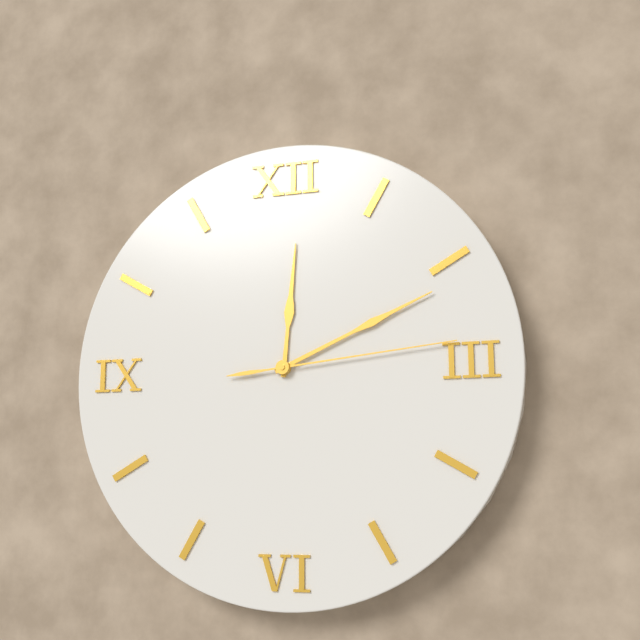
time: **12:11:14**
